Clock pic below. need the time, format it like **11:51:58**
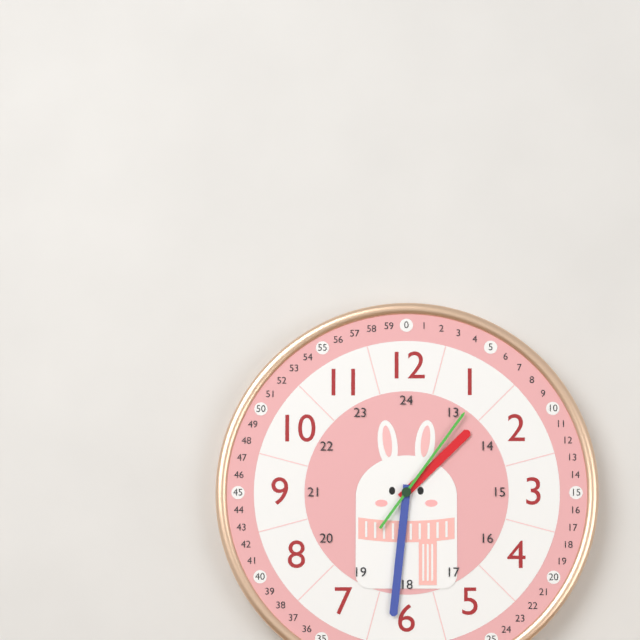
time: **1:31:06**
